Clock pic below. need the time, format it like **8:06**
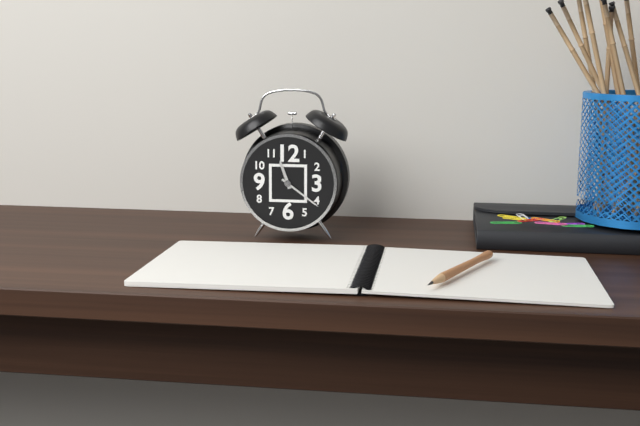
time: **11:21**
